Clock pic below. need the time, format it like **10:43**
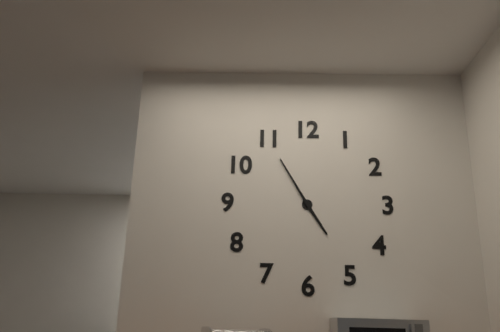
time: **4:55**
